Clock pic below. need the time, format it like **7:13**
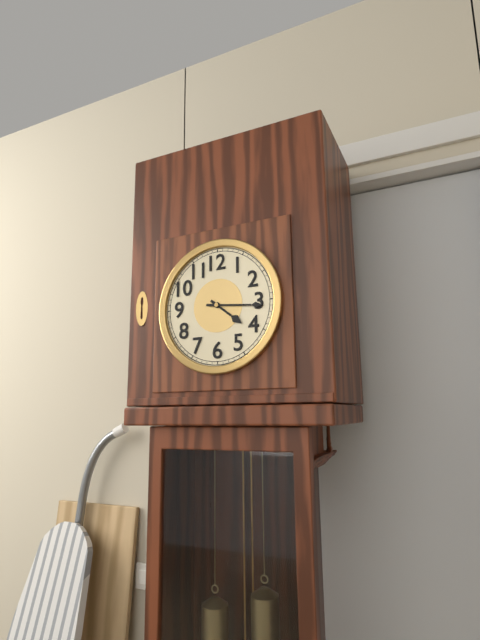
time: **4:16**
